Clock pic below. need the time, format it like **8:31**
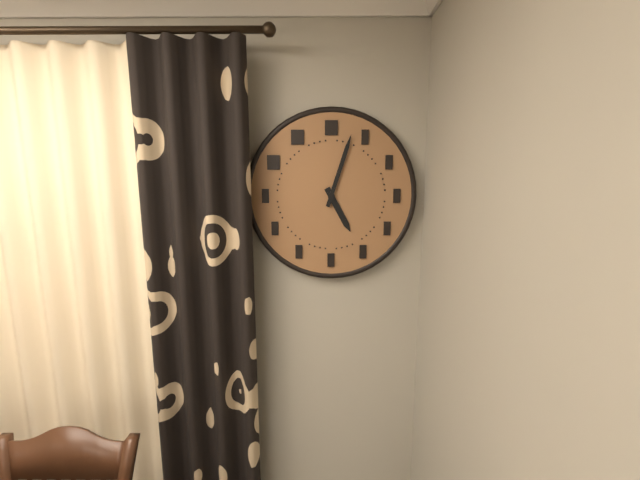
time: **5:03**
